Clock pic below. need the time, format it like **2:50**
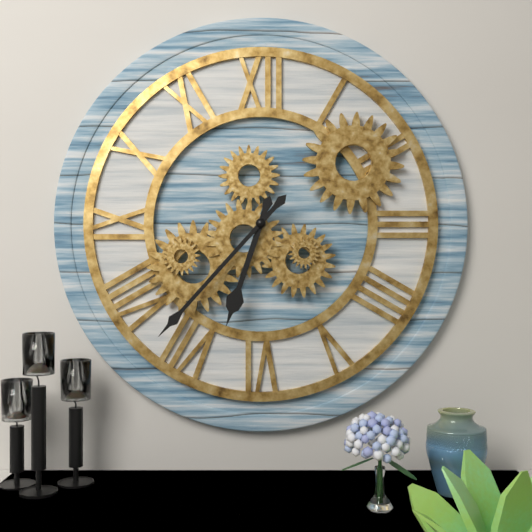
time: **6:37**
